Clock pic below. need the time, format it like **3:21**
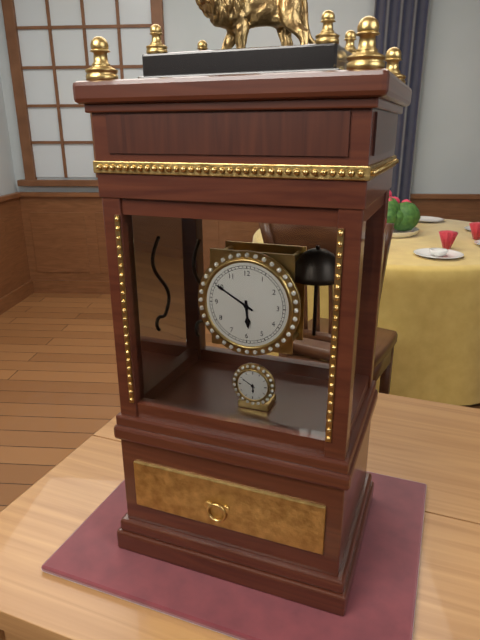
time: **5:50**
